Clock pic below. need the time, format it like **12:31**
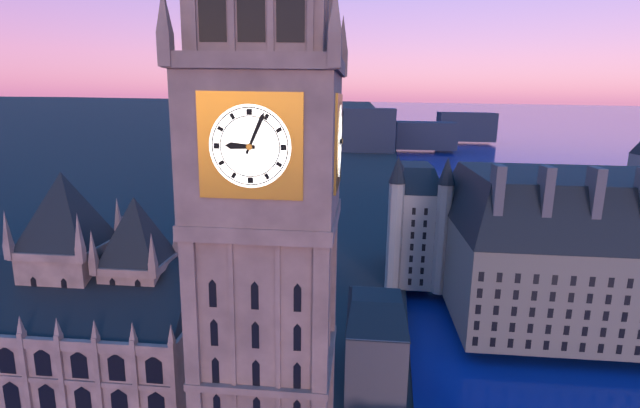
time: **9:04**
